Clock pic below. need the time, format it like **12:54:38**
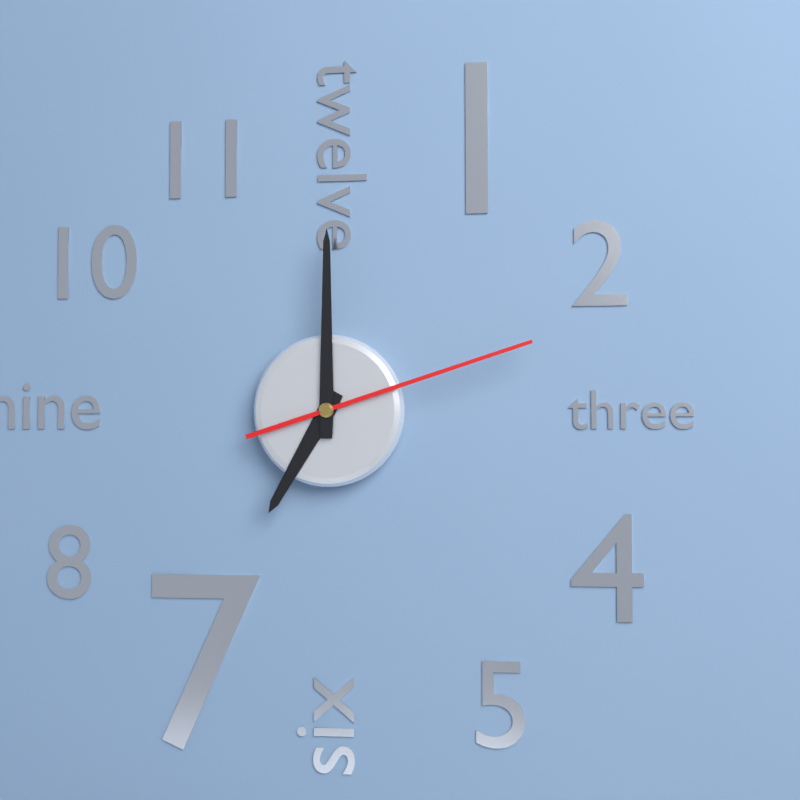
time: **7:00:12**
